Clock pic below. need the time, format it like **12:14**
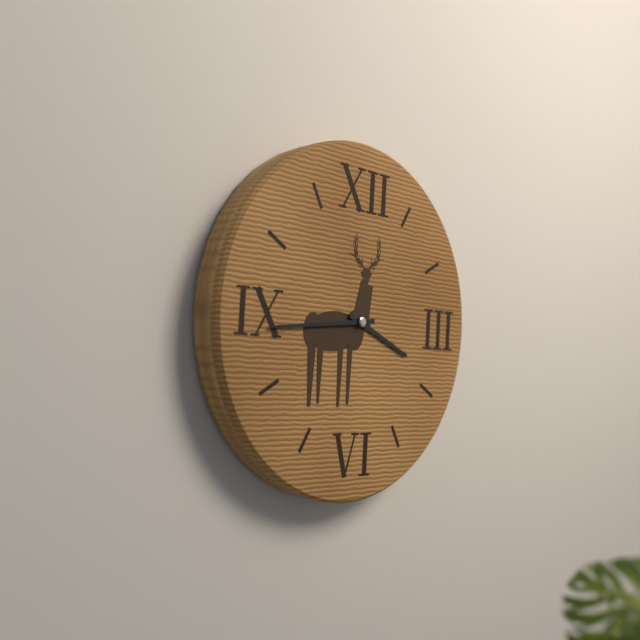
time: **3:44**
